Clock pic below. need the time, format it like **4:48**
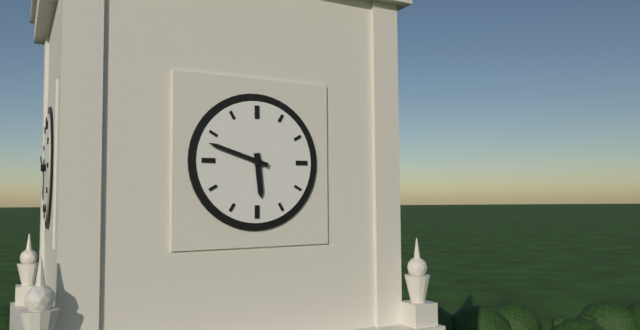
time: **5:48**
